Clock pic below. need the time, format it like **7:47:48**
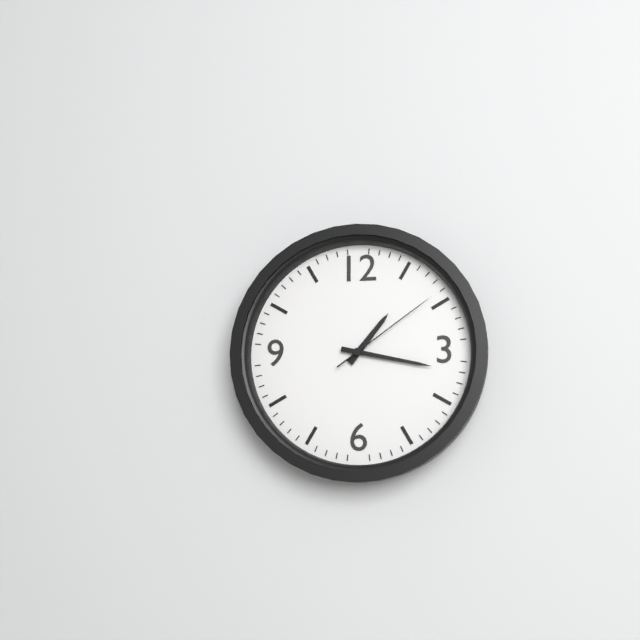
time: **1:17:09**
